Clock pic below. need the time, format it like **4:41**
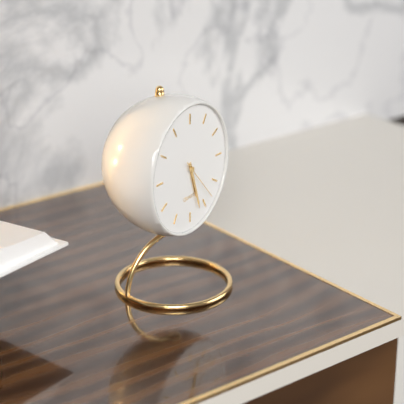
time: **5:27**
